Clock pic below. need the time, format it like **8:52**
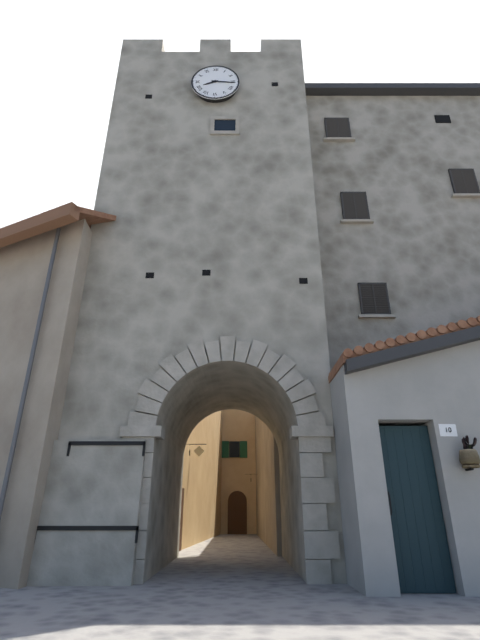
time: **8:16**
